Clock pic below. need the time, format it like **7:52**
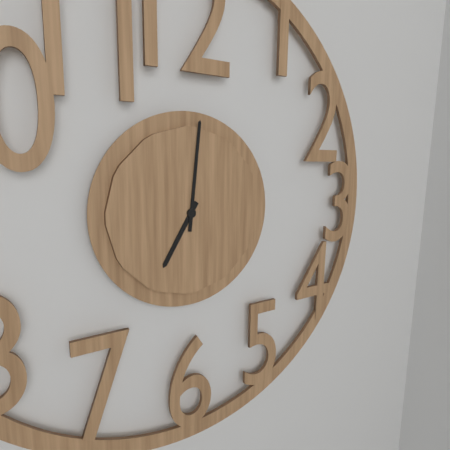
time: **7:01**
